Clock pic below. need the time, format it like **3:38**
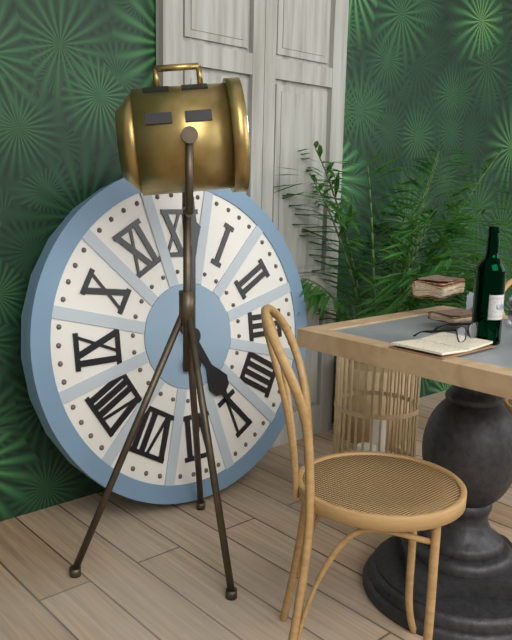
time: **5:01**
